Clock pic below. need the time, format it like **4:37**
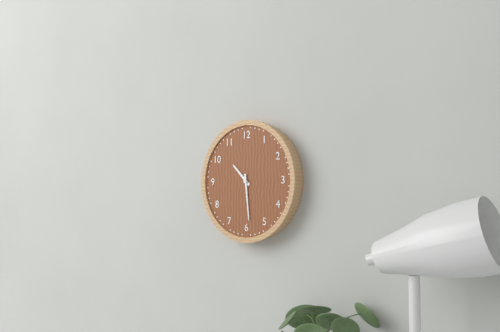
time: **10:29**
